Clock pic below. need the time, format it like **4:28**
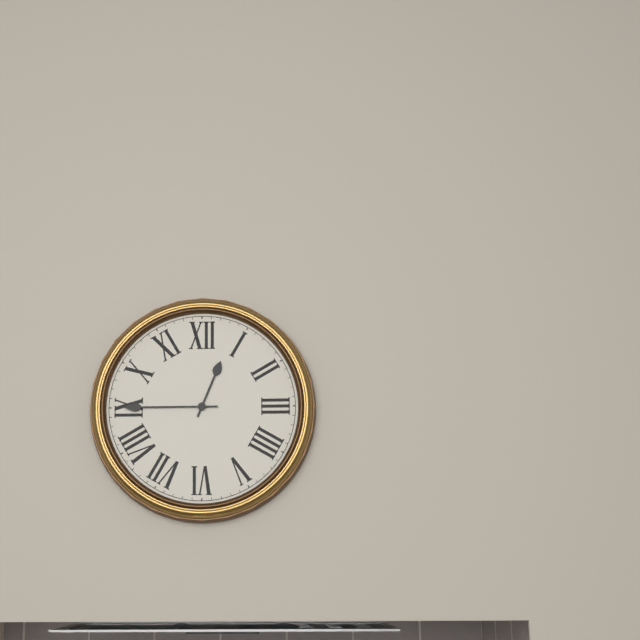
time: **12:45**
